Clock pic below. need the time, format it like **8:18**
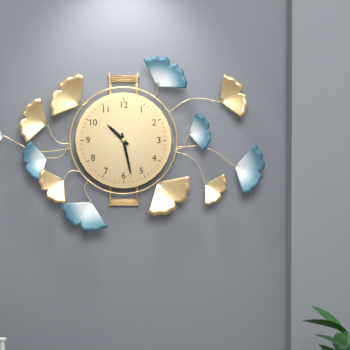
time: **10:28**
